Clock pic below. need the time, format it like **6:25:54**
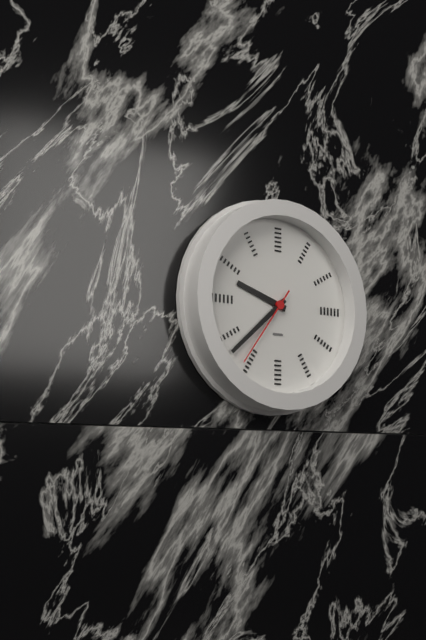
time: **9:38:36**
